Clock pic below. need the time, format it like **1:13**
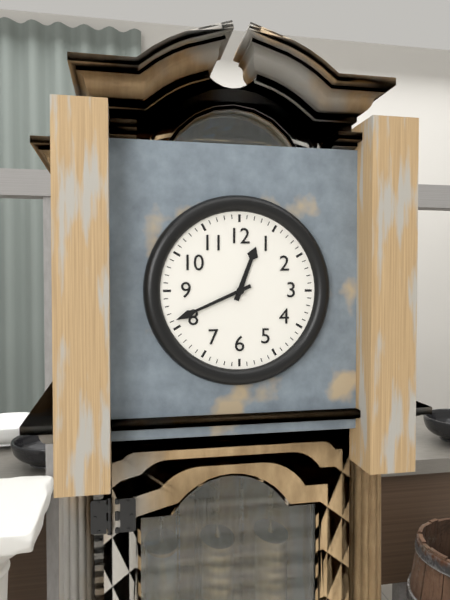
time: **12:41**
